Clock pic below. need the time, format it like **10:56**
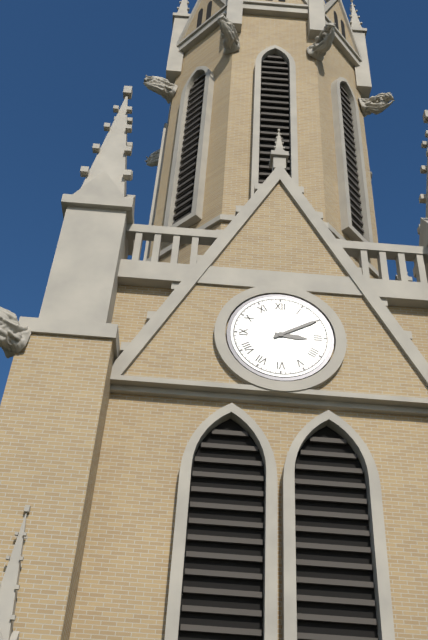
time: **3:10**
